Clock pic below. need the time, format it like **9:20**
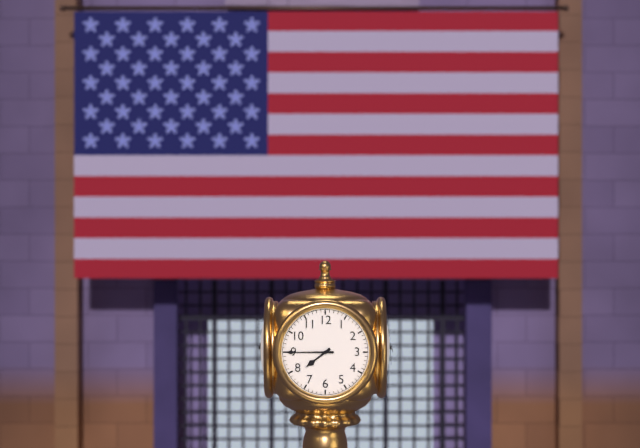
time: **7:45**
